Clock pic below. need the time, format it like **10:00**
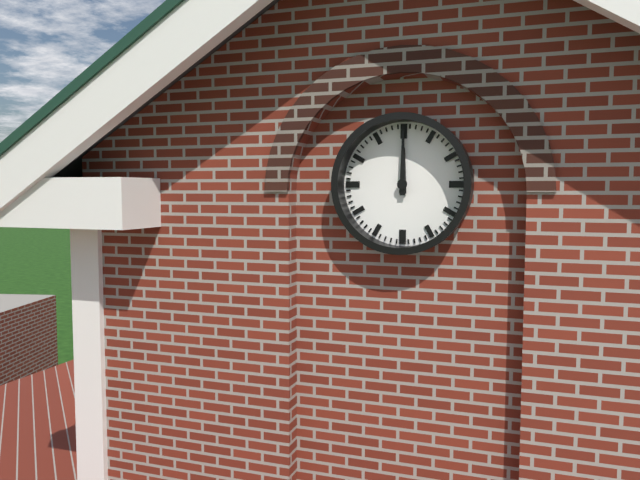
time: **12:00**
